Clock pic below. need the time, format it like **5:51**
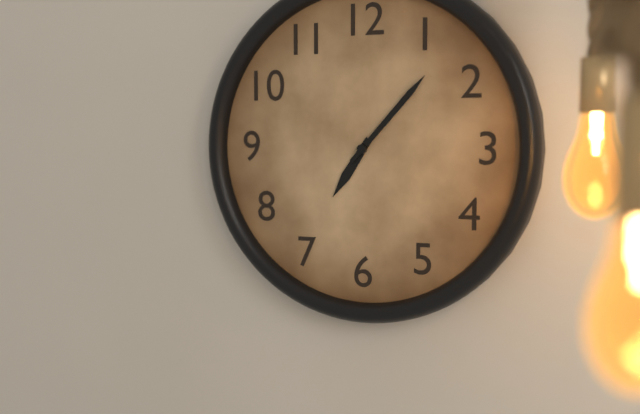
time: **7:07**
